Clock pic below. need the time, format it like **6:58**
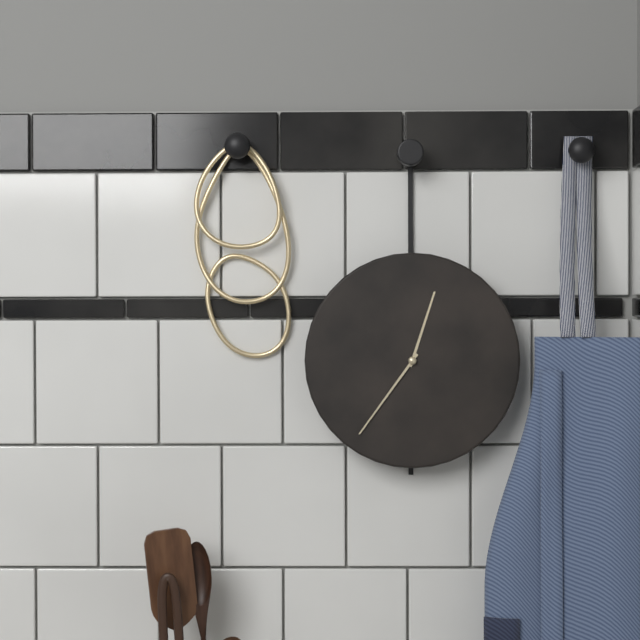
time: **12:36**
